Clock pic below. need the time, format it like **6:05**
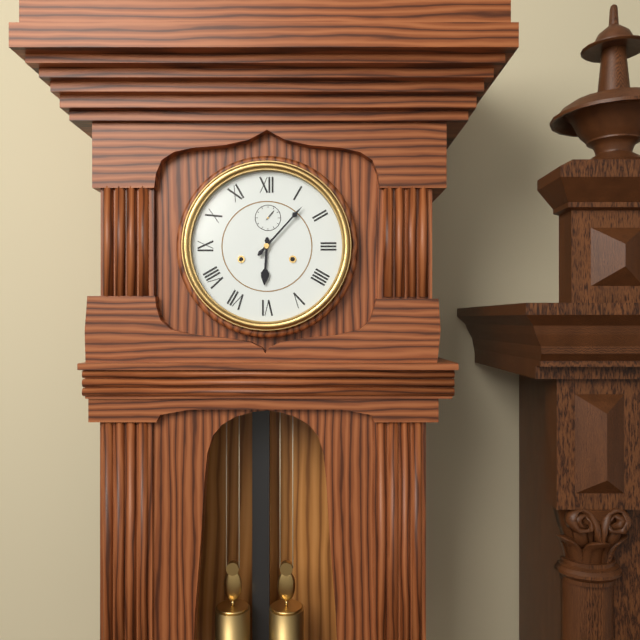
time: **6:07**
